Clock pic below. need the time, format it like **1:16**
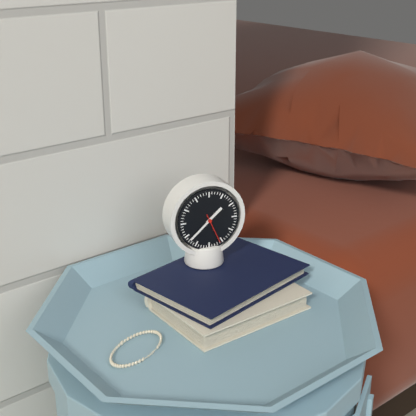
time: **1:38**
